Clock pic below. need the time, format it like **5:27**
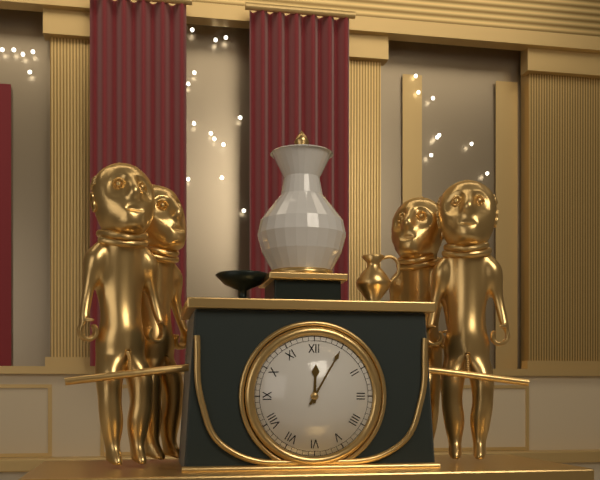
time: **12:05**
